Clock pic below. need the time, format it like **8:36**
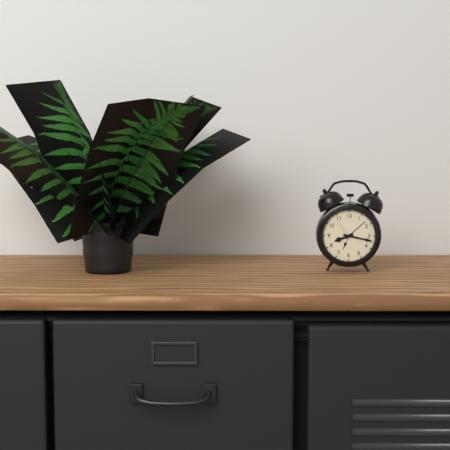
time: **8:17**
